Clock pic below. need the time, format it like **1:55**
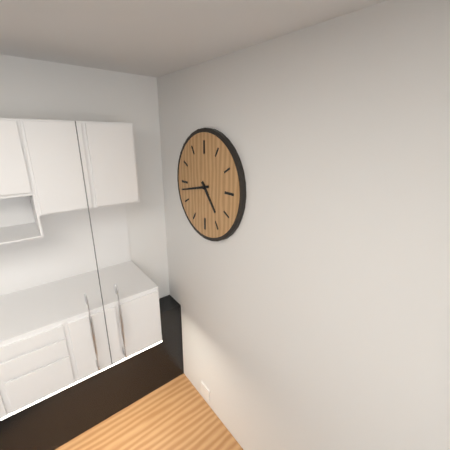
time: **4:43**
